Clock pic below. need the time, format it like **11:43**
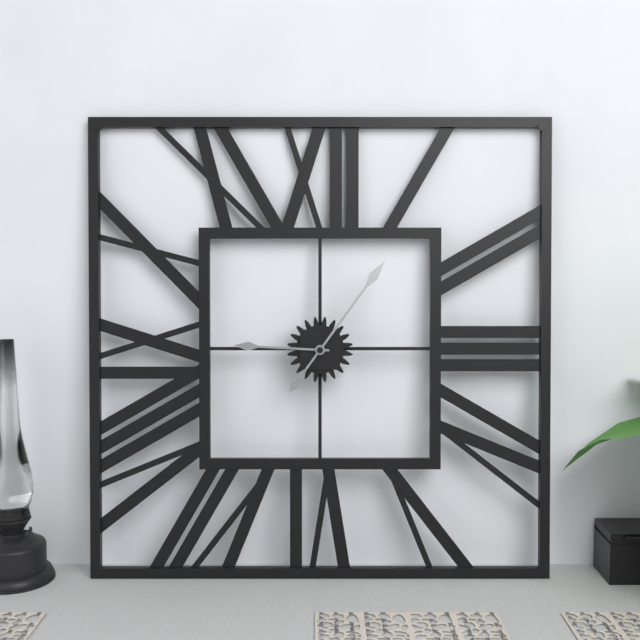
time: **9:06**
